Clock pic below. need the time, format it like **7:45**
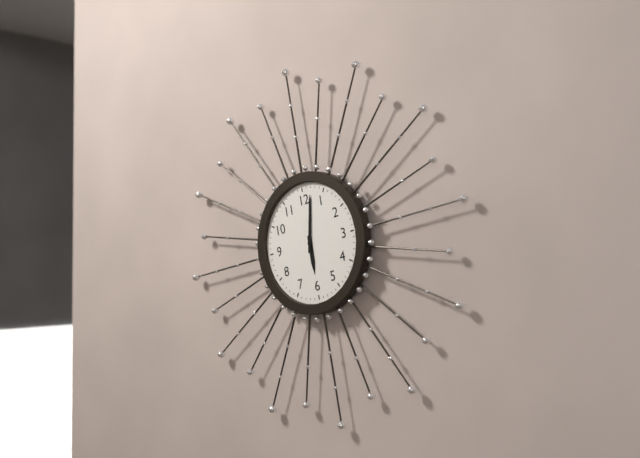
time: **6:02**
